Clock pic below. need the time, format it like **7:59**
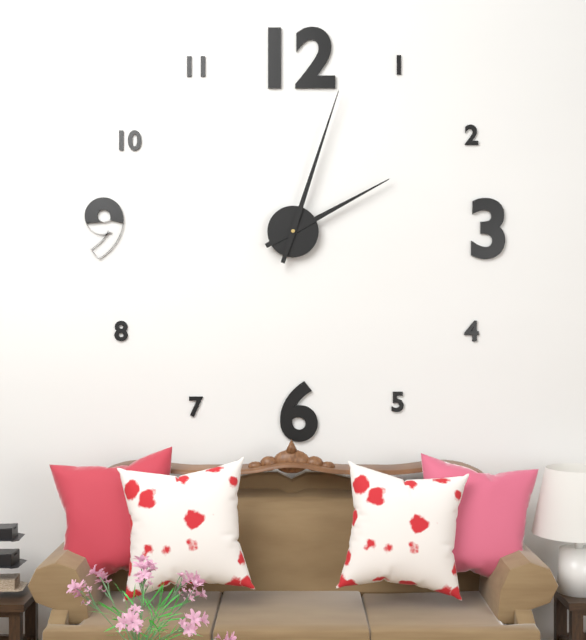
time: **2:03**
